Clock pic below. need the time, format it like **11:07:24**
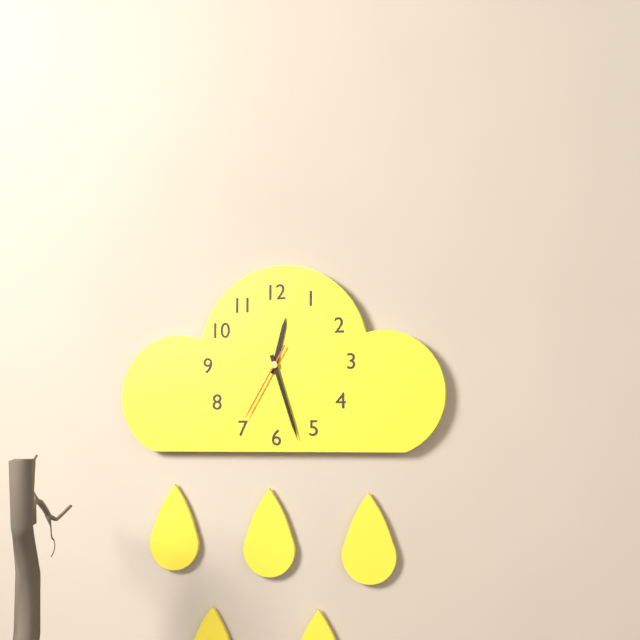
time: **12:27:35**
